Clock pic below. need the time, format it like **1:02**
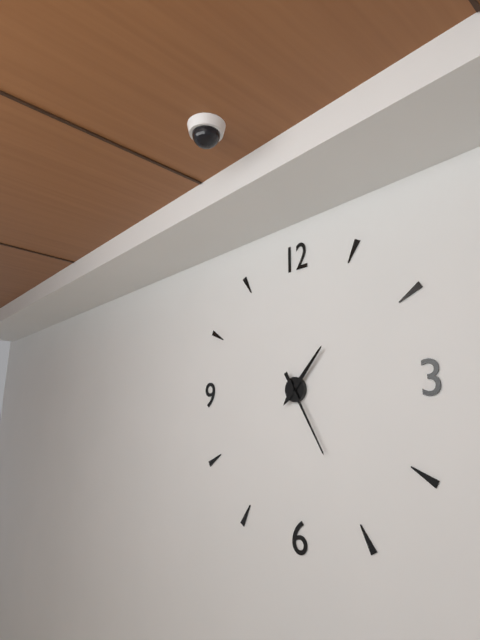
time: **1:25**
